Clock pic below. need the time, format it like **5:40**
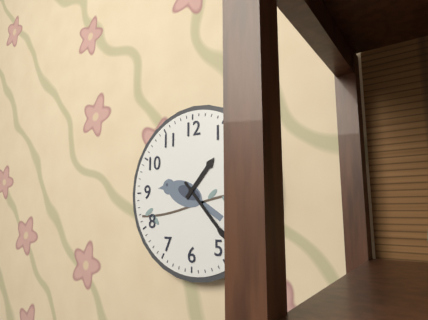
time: **1:23**
